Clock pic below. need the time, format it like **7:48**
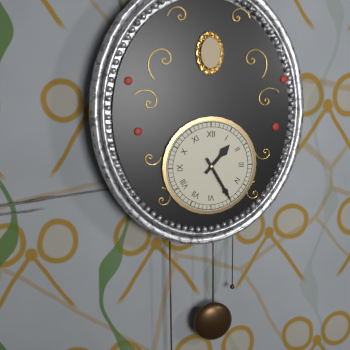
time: **1:25**
